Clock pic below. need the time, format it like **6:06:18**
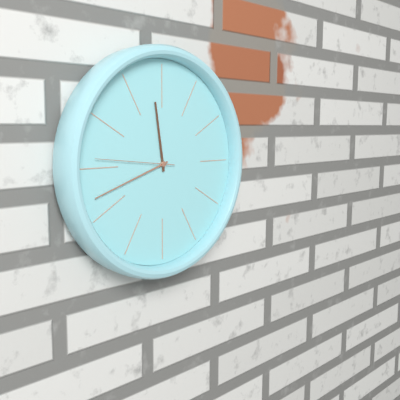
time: **11:42:46**
